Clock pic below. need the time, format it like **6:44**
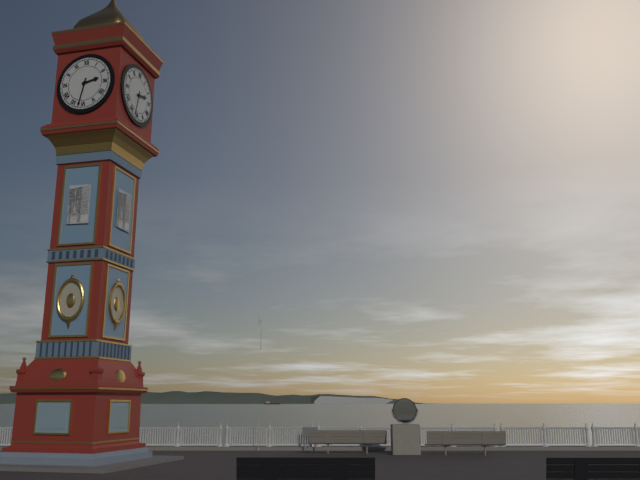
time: **2:32**
